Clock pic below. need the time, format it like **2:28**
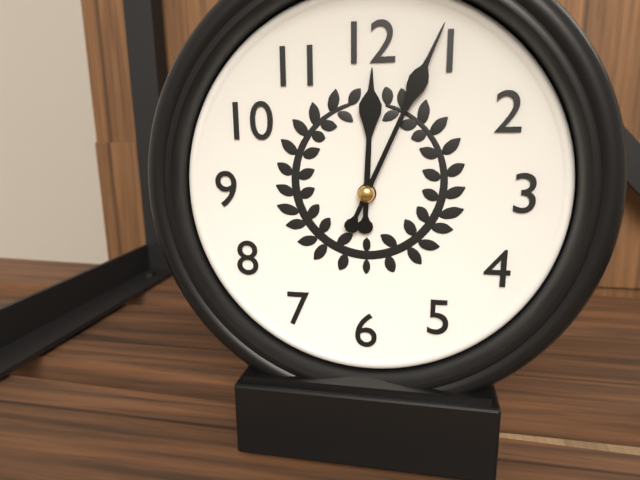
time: **12:04**
